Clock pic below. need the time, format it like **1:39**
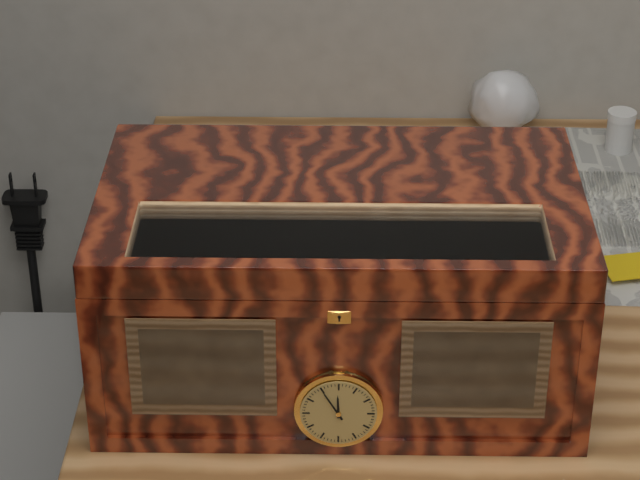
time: **11:55**
